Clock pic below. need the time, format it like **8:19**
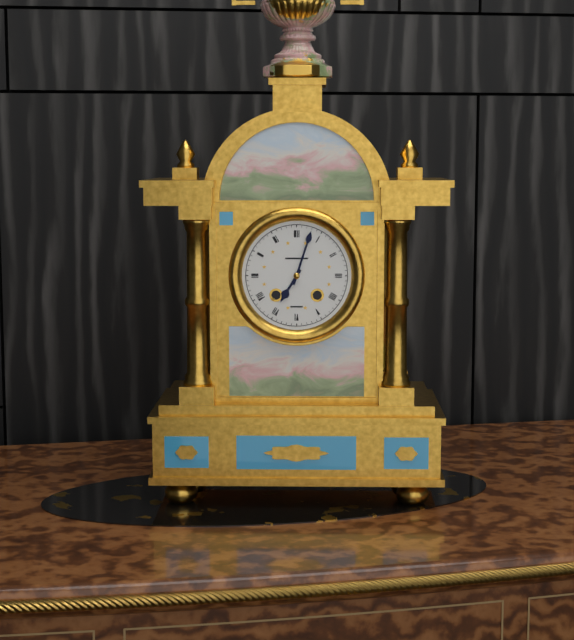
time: **7:03**
